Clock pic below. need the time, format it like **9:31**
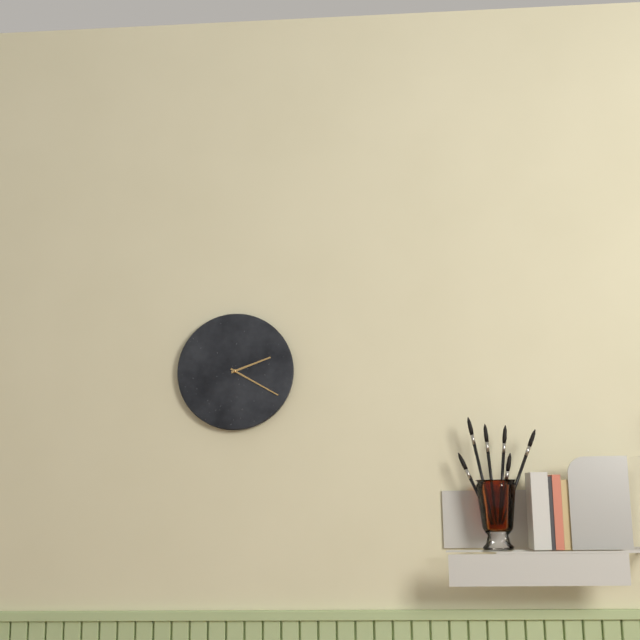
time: **2:20**
